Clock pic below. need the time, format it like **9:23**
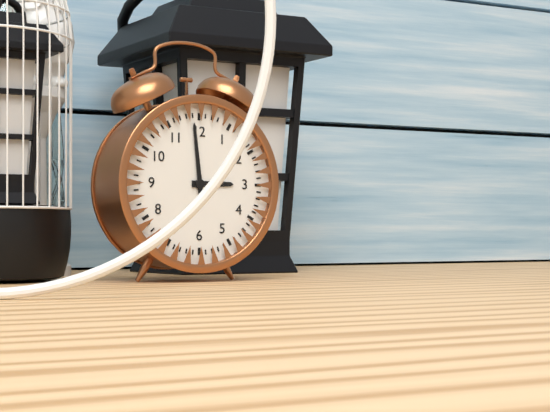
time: **2:59**
